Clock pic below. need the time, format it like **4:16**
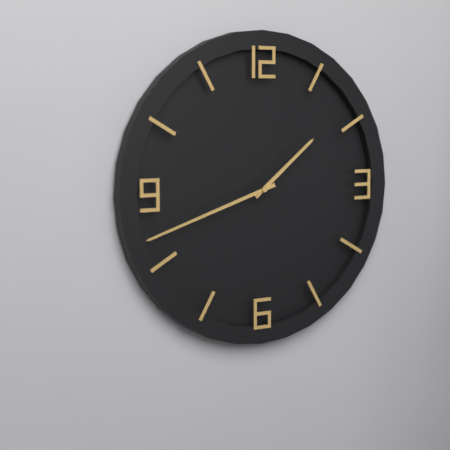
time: **1:42**
